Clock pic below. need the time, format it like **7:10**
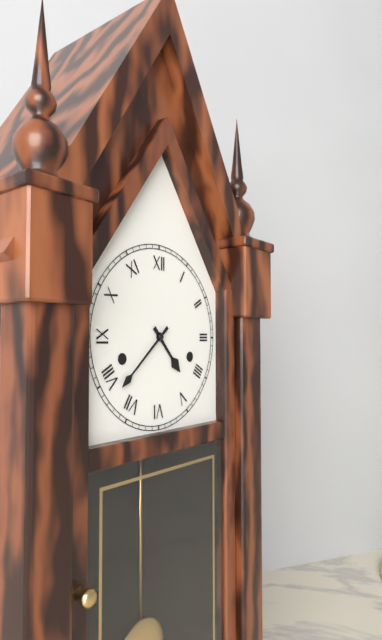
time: **4:38**
